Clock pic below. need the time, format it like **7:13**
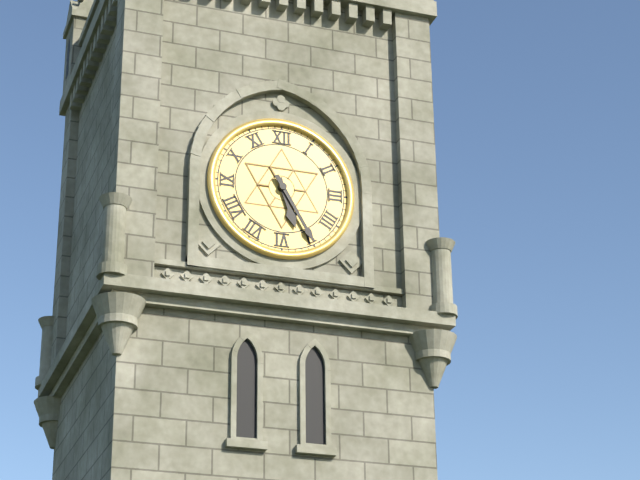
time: **5:25**
